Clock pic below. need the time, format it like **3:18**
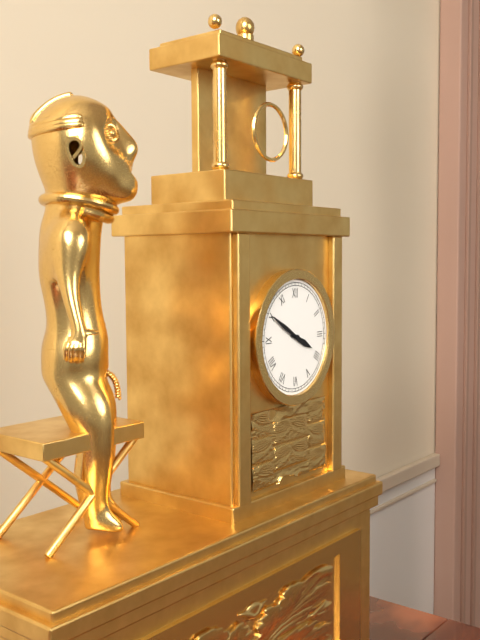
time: **3:50**
